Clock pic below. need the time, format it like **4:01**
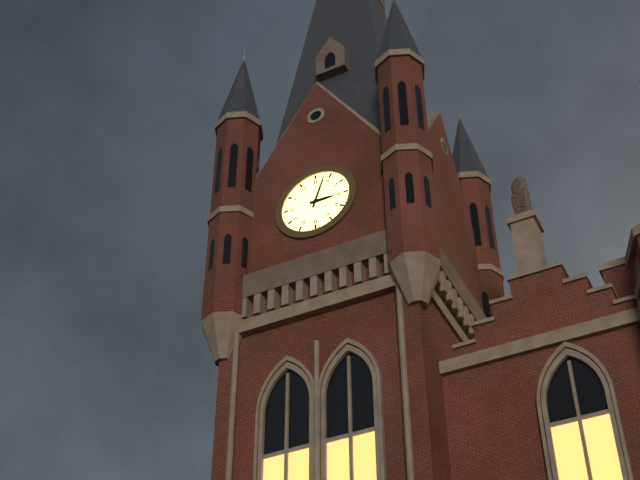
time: **3:03**
